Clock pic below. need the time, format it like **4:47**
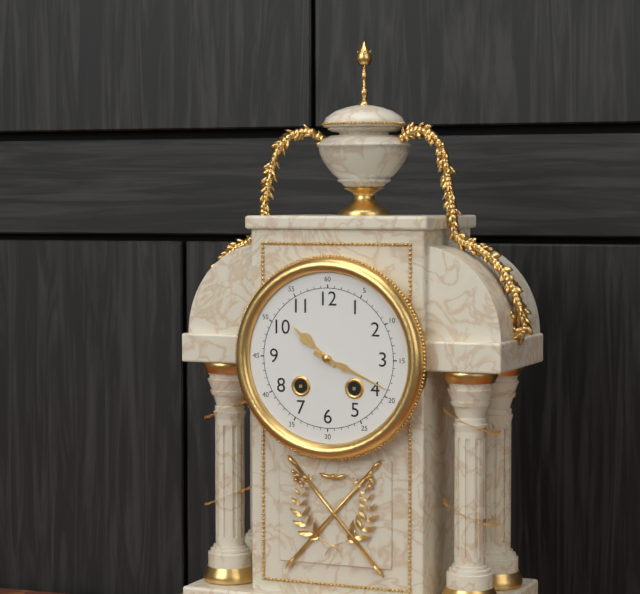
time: **10:19**
